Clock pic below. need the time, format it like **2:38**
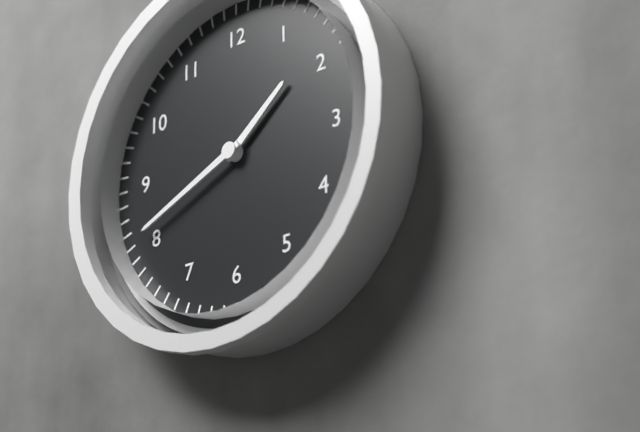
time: **1:41**
